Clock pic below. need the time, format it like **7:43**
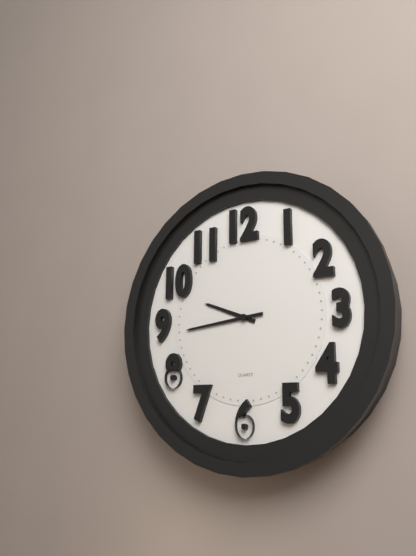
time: **9:44**
